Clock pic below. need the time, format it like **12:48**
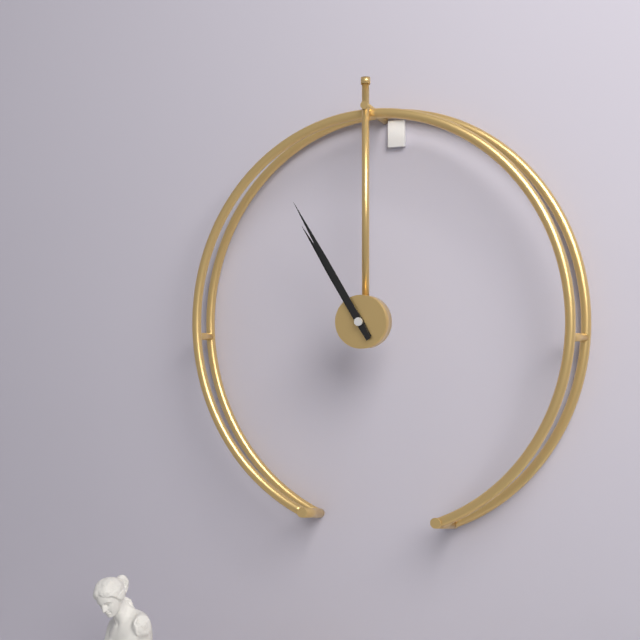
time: **10:55**
